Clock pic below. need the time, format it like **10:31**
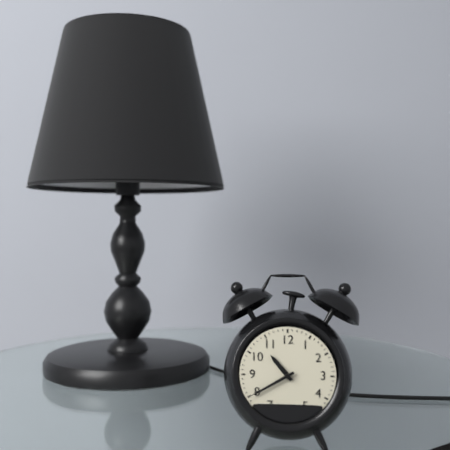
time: **10:40**
